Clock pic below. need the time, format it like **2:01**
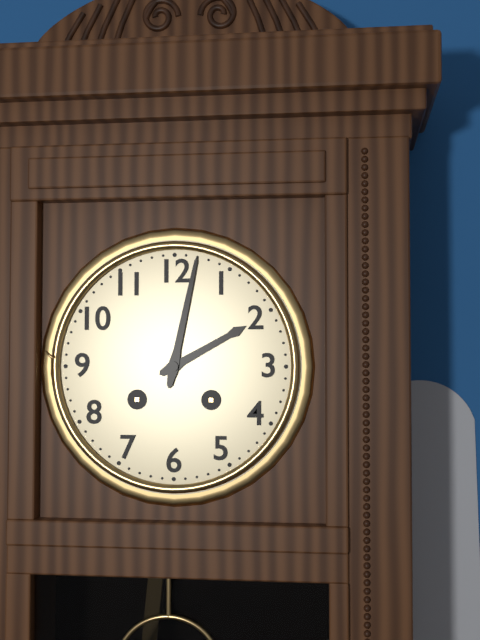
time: **2:02**
